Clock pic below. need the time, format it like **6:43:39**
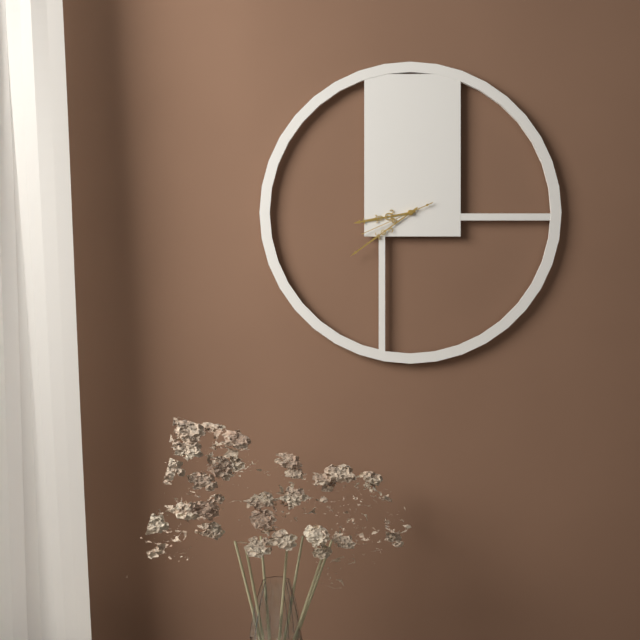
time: **8:39:41**
